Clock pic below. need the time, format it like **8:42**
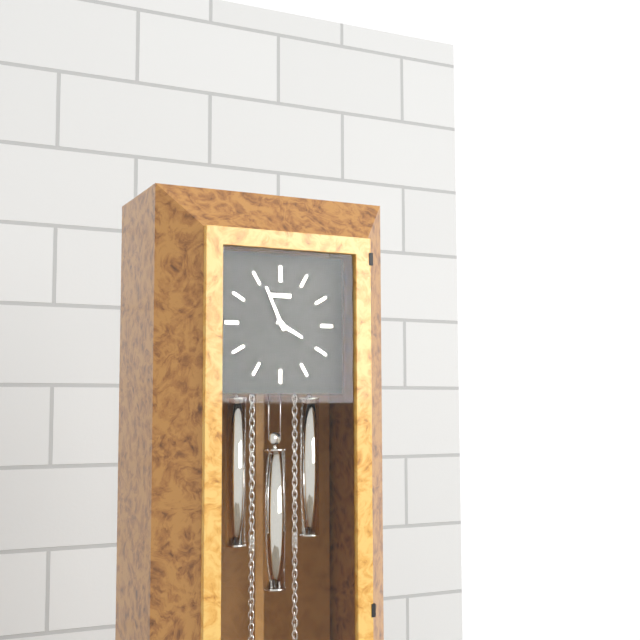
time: **3:56**
